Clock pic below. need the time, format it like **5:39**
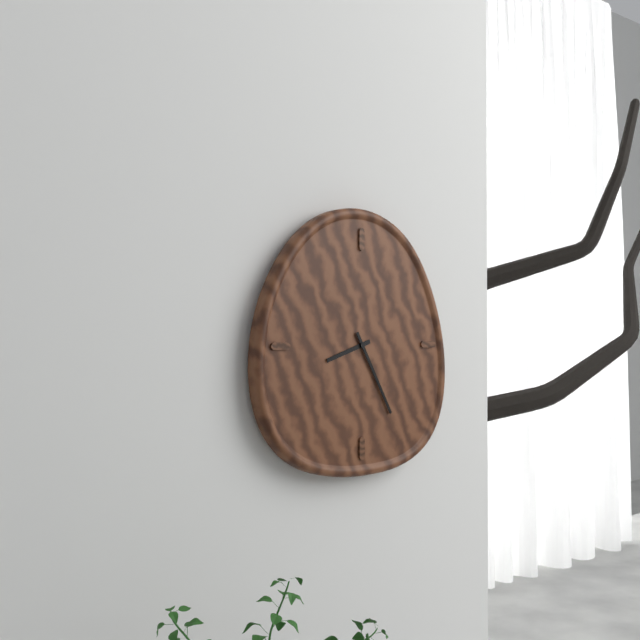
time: **8:25**
